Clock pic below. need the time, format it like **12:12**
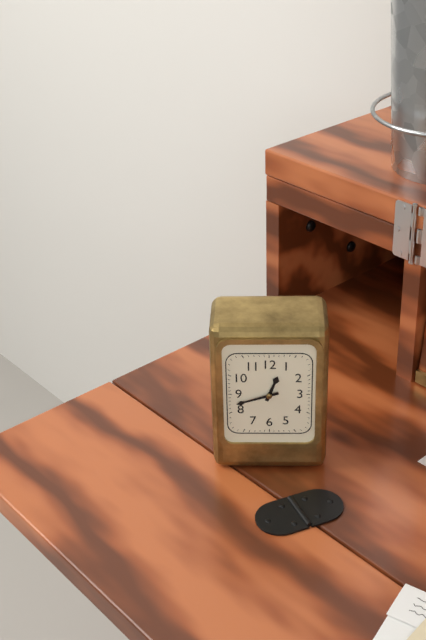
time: **12:42**
